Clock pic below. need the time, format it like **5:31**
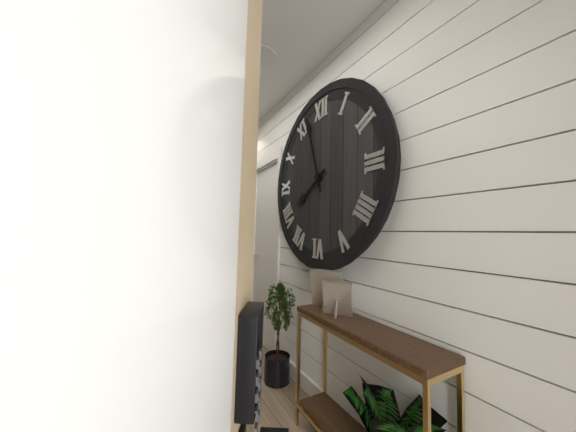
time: **7:57**
